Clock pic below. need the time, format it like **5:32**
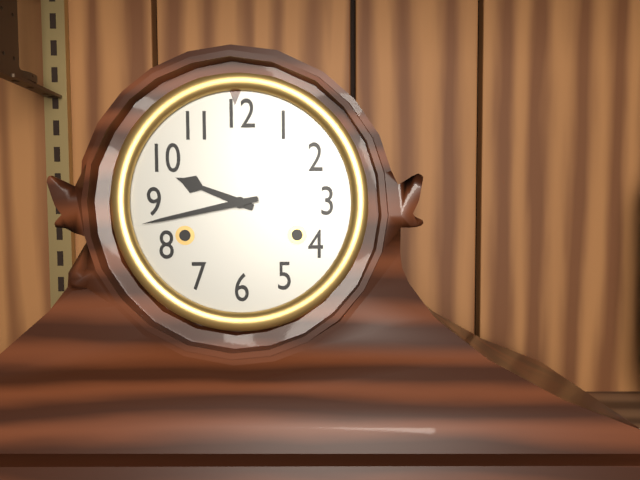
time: **9:43**
